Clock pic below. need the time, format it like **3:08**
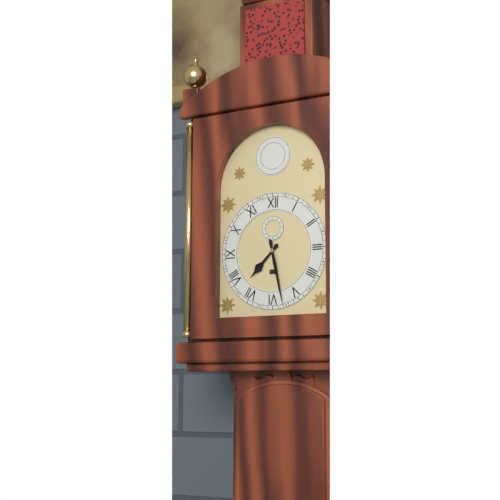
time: **7:28**
